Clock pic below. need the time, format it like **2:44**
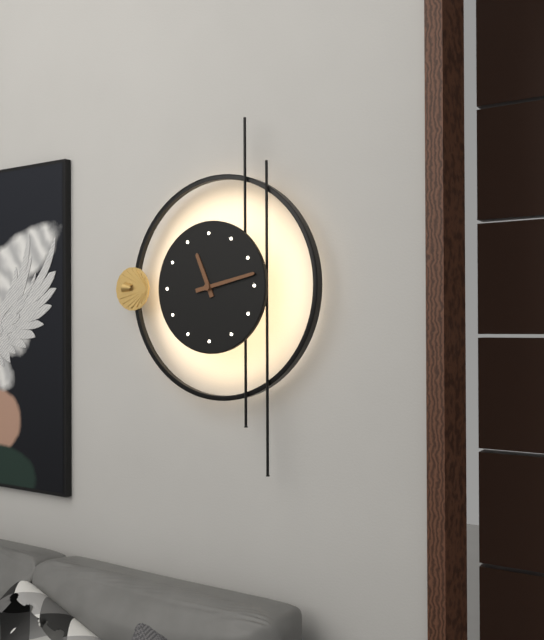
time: **11:13**
